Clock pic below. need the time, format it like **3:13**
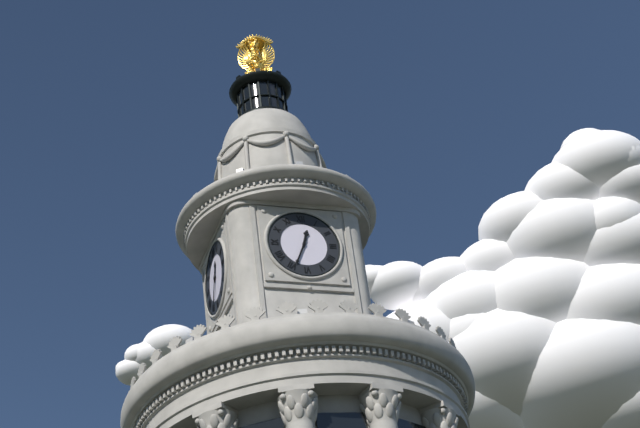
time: **12:34**
